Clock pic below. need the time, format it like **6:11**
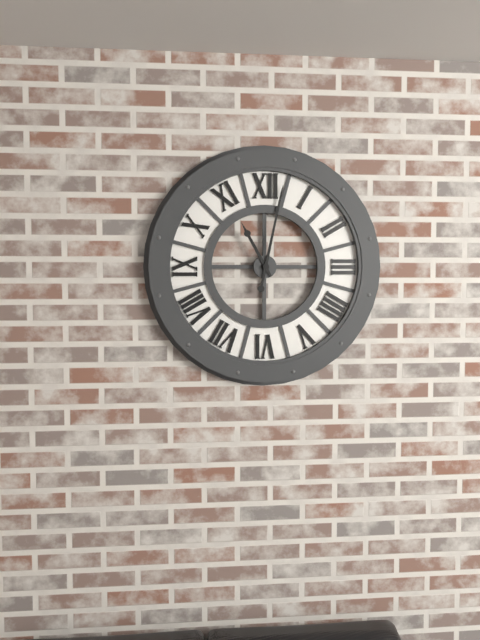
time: **11:02**
